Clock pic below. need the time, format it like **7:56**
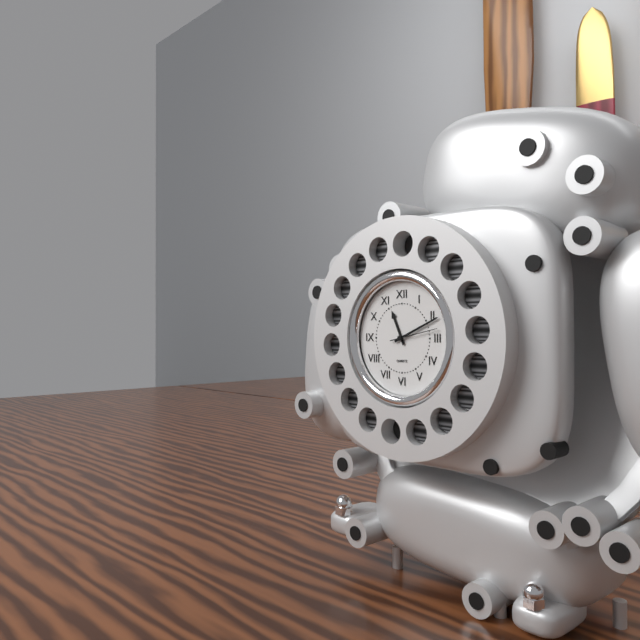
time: **11:11**
